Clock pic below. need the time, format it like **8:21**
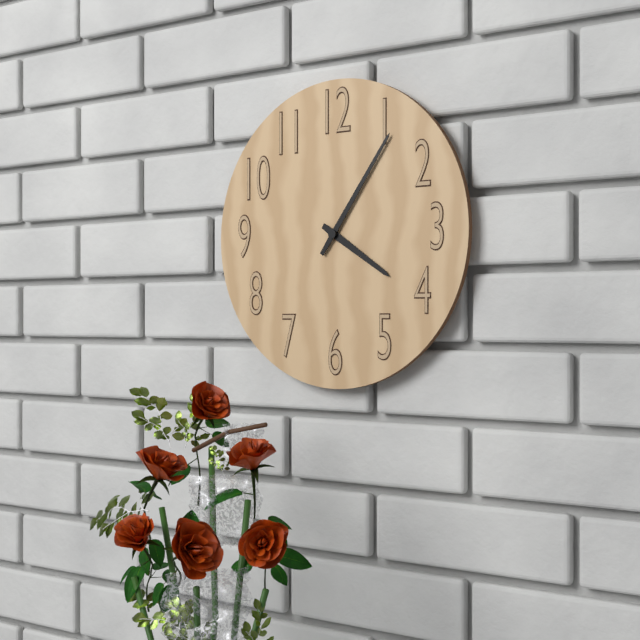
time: **4:06**
